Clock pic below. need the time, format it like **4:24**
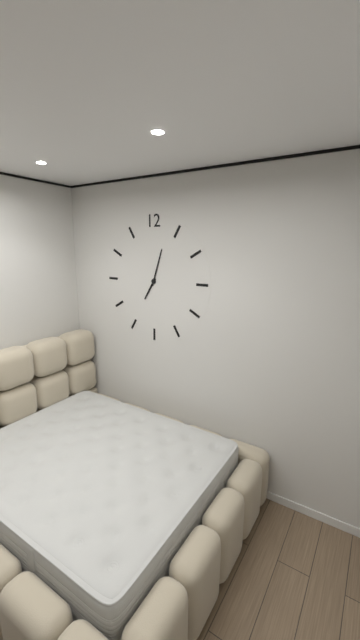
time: **7:03**
